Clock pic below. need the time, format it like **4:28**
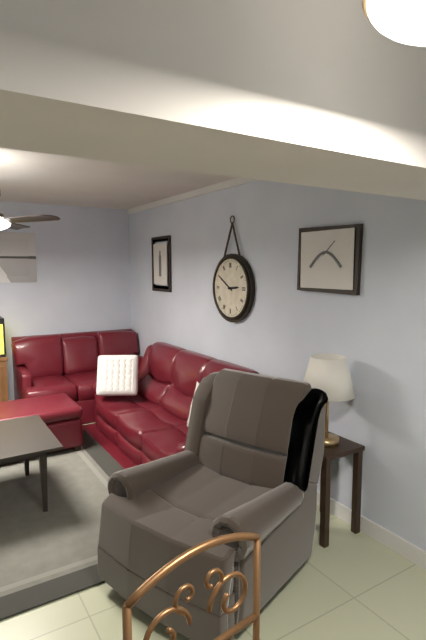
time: **2:50**
